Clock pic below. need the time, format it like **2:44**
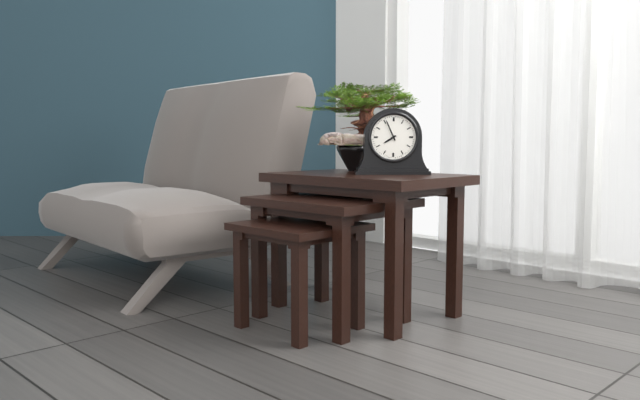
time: **7:56**
